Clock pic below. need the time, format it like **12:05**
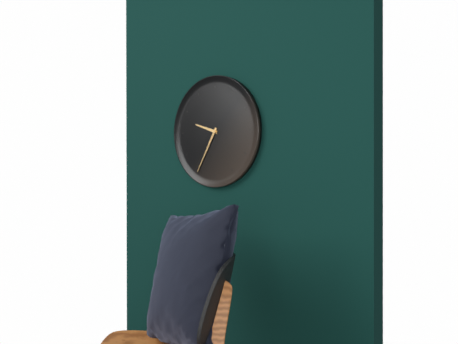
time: **9:35**
